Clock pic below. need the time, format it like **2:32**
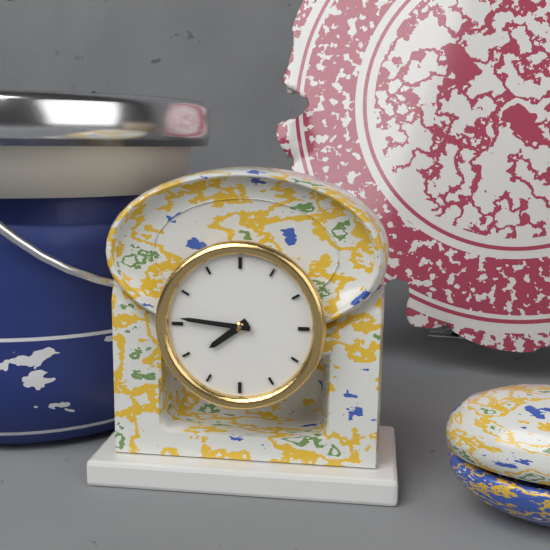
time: **7:46**
